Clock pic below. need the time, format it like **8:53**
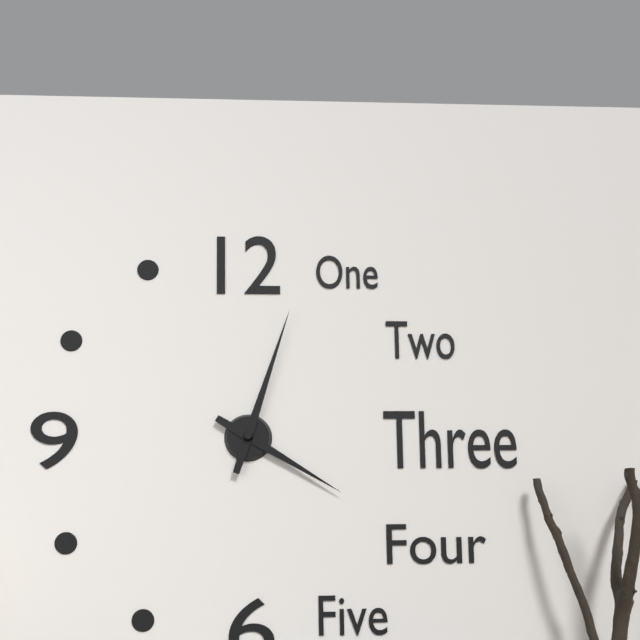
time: **4:03**
